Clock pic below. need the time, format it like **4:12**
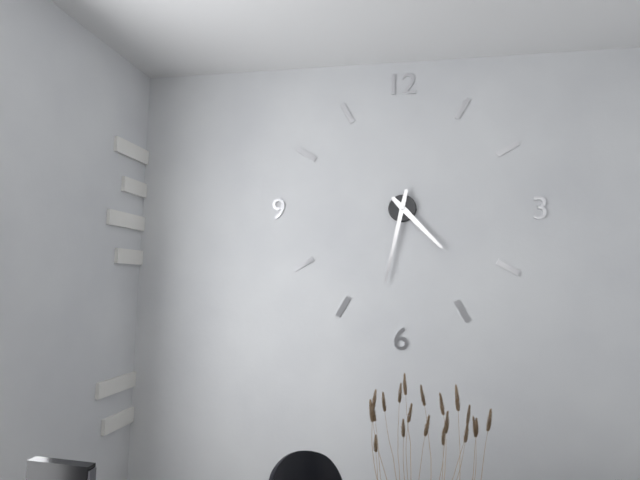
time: **4:32**
